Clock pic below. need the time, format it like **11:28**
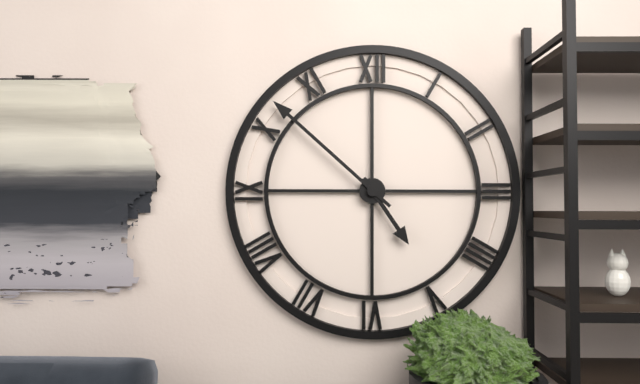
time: **4:52**
